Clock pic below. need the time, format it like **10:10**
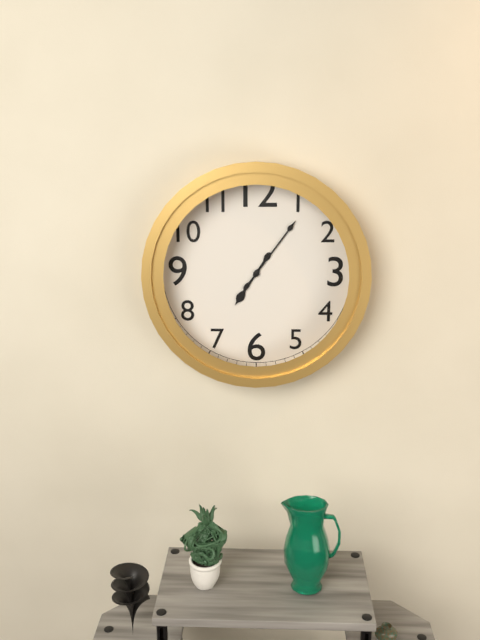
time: **7:06**
